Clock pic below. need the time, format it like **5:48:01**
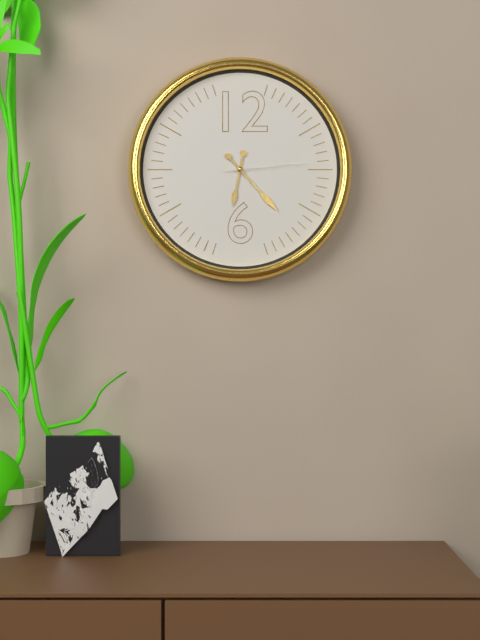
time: **6:23:14**
